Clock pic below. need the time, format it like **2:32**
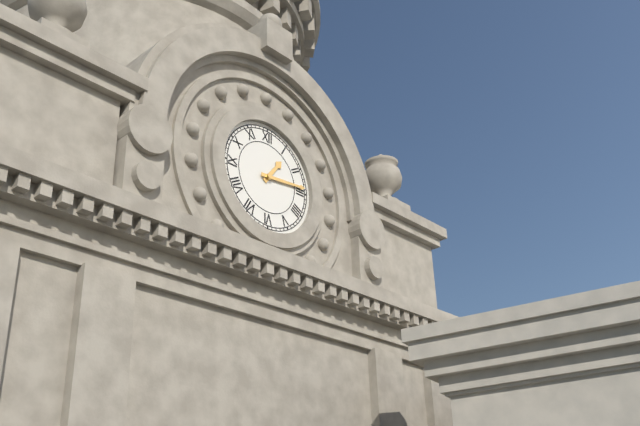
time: **1:14**
